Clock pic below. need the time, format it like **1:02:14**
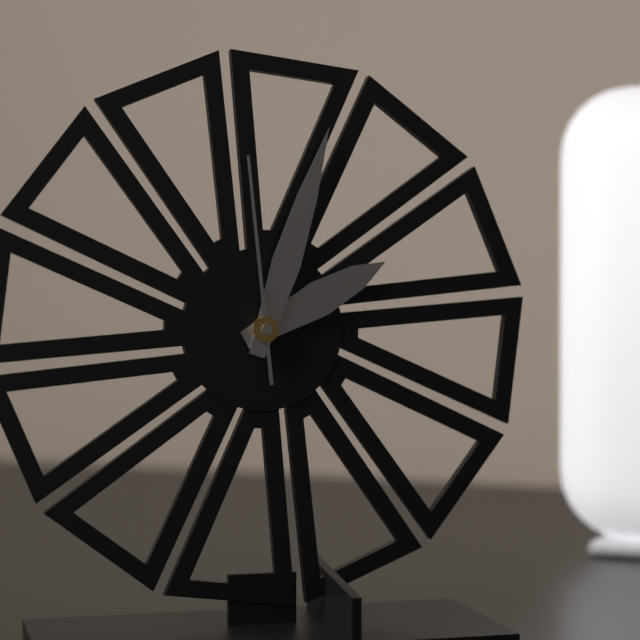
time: **2:03:59**
